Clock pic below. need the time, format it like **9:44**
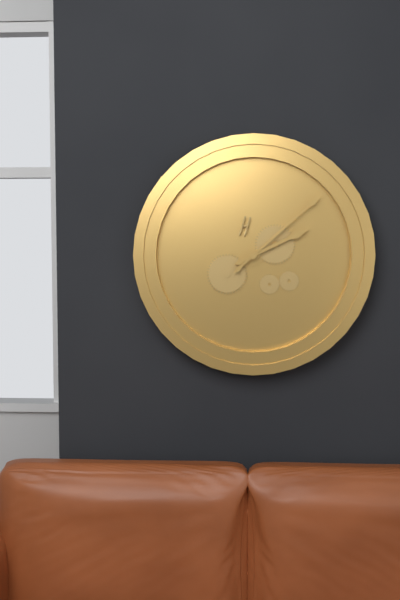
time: **2:08**
